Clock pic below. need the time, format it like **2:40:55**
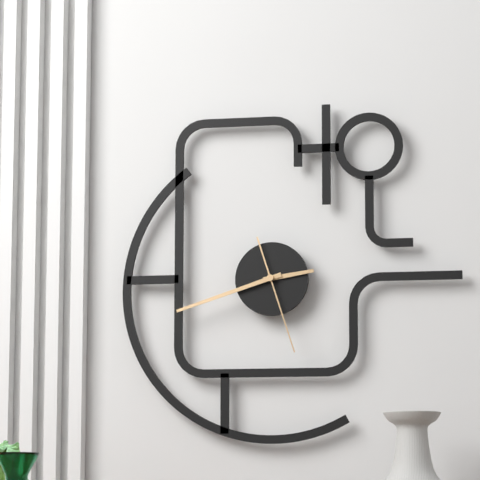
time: **2:42:27**
